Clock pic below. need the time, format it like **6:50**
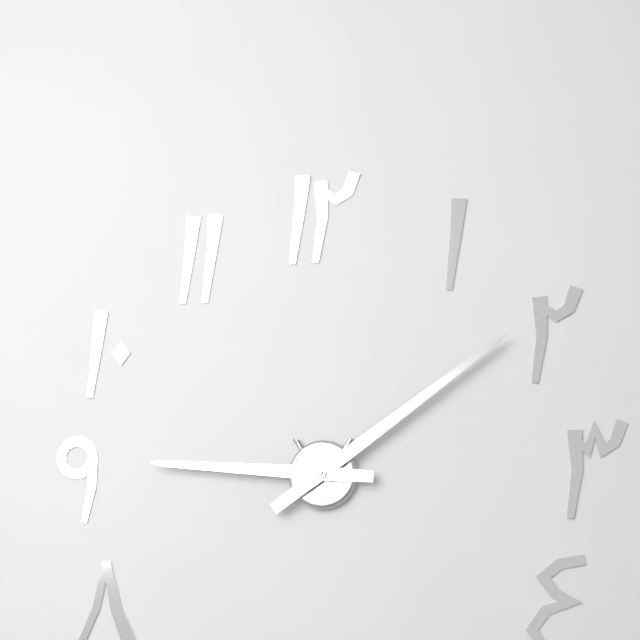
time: **9:09**
